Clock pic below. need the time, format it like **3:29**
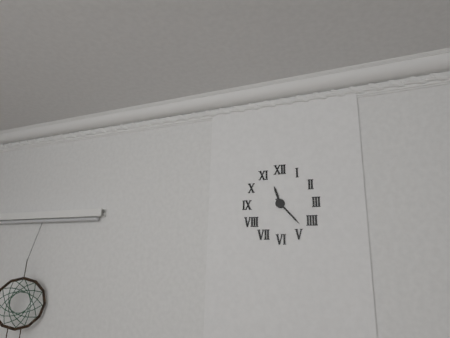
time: **11:23**
